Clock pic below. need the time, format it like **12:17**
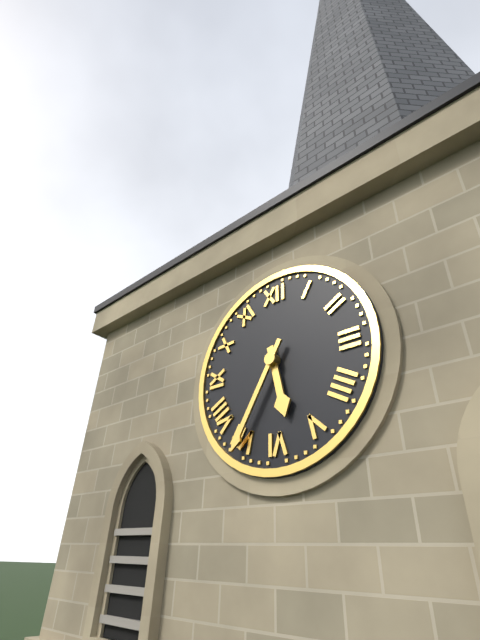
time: **5:35**
